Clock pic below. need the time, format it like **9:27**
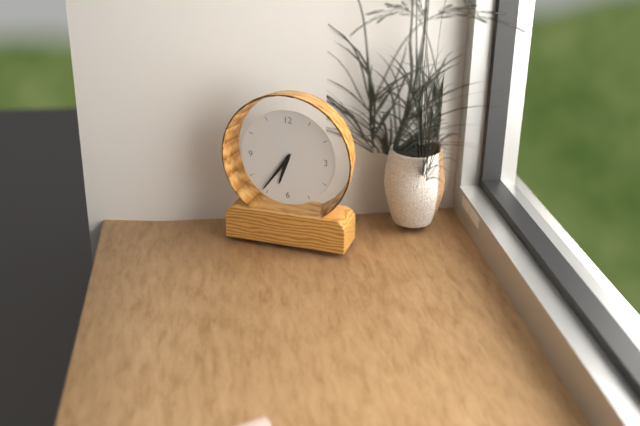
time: **6:36**
